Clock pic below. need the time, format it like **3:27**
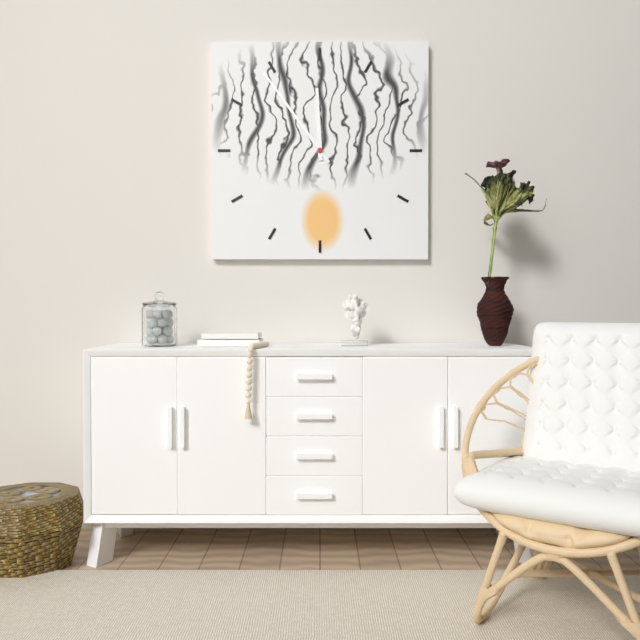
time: **11:54**
